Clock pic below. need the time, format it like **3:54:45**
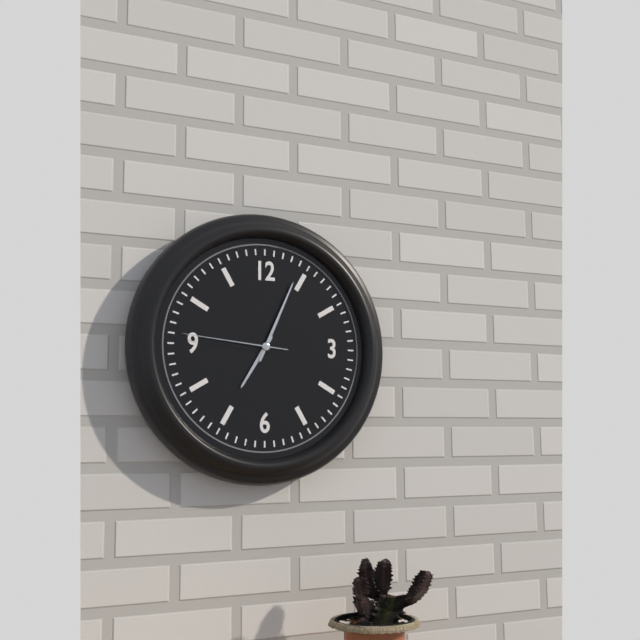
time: **7:04:46**
